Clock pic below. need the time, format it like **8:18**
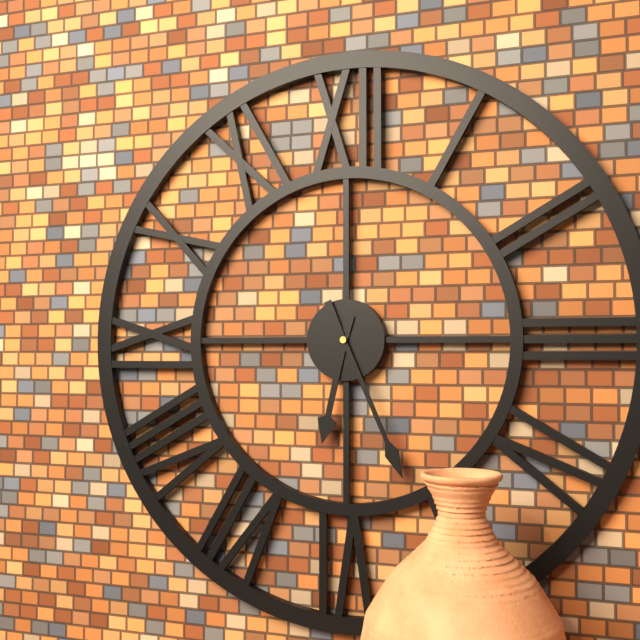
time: **6:26**
